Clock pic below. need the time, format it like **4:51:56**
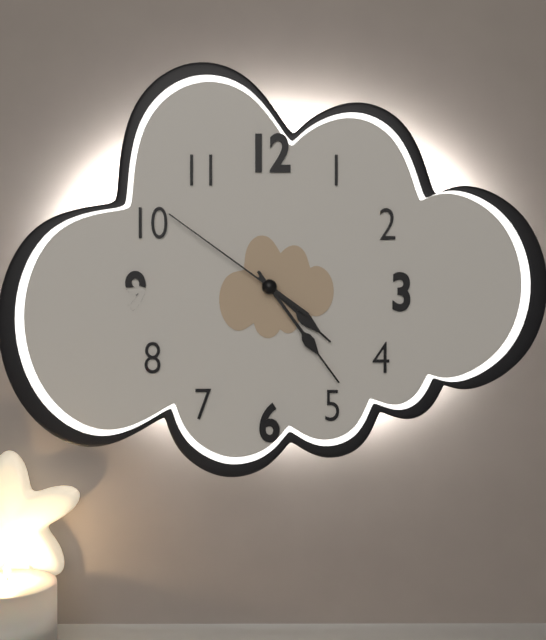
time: **4:24:51**
